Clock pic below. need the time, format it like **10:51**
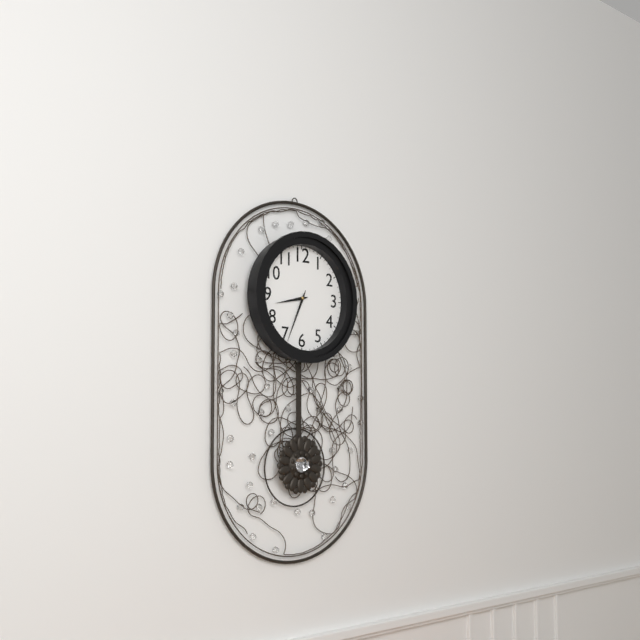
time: **8:34**
